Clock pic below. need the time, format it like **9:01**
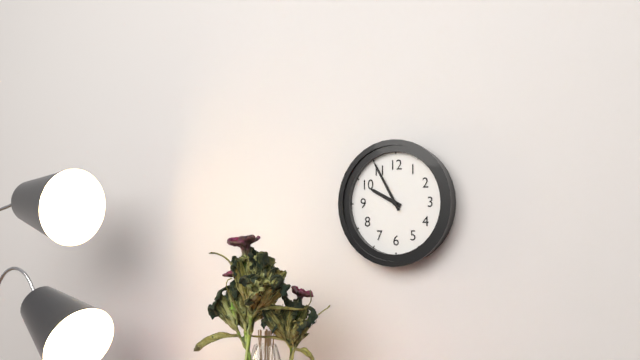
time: **9:55**
